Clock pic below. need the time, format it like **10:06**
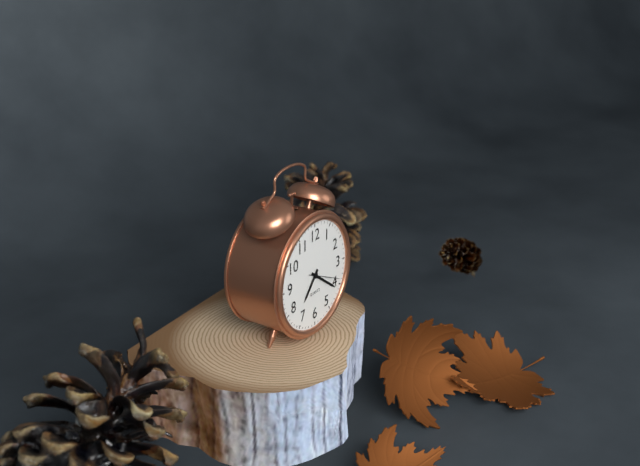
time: **7:21**
